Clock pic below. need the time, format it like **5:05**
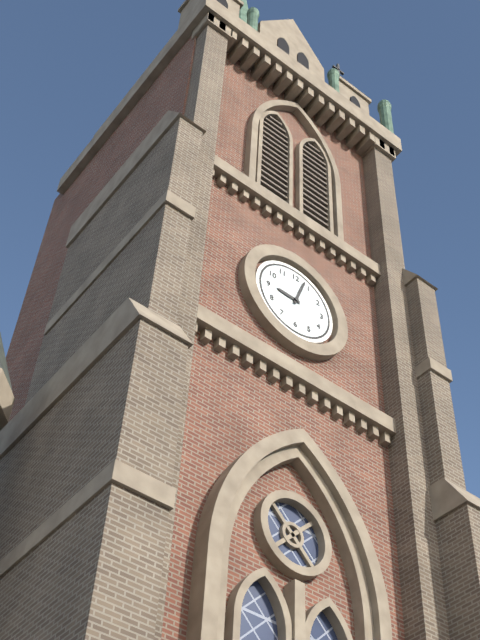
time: **9:03**
